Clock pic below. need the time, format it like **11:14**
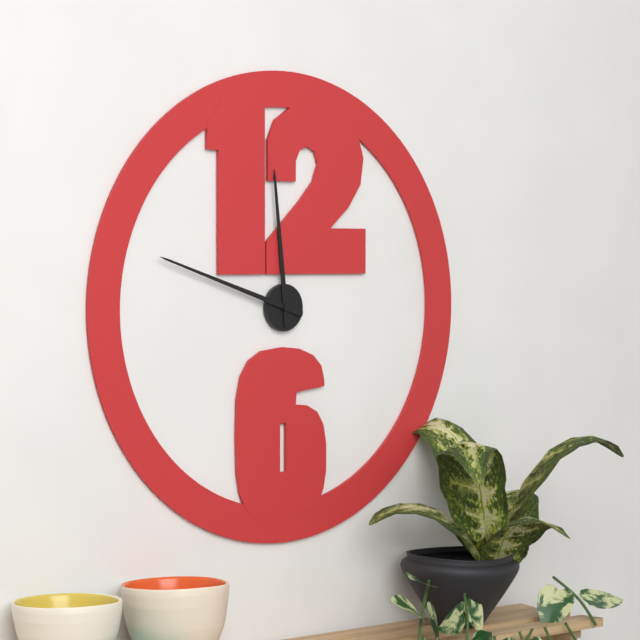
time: **11:48**
